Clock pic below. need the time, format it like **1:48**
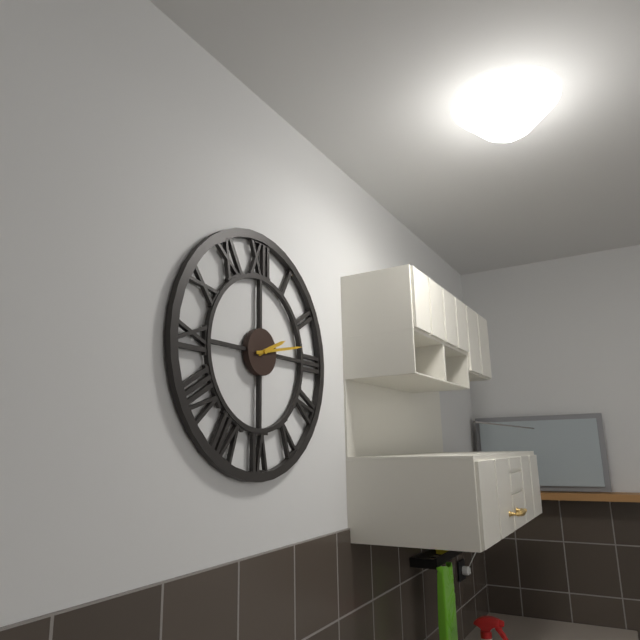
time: **2:13**
